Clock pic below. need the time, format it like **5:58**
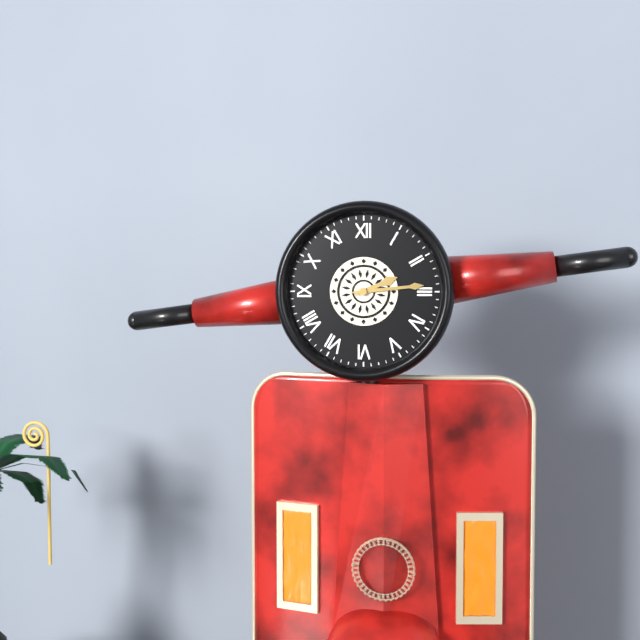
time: **2:14**
